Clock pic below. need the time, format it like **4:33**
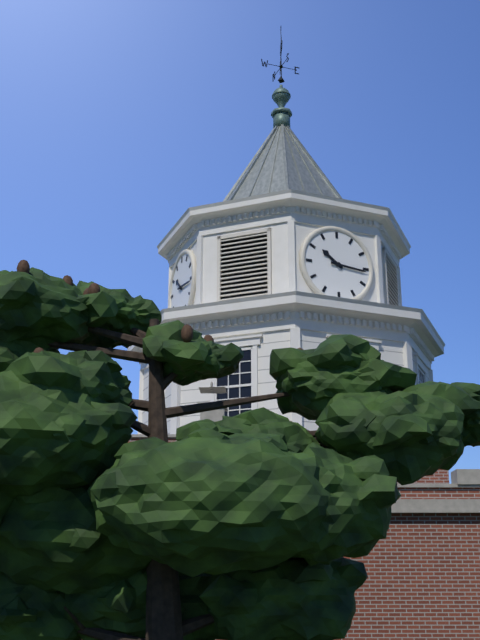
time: **10:16**
